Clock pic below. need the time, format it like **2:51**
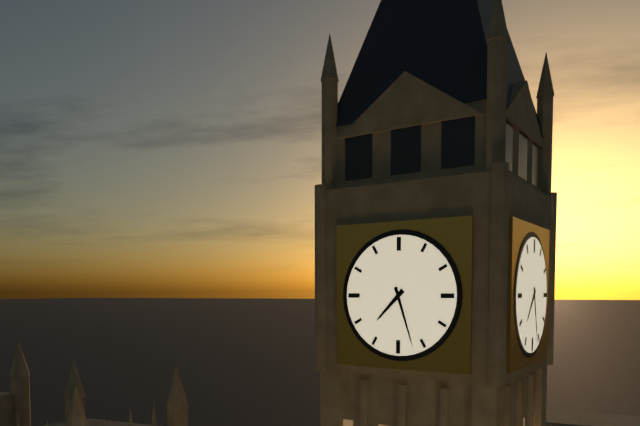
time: **7:27**
